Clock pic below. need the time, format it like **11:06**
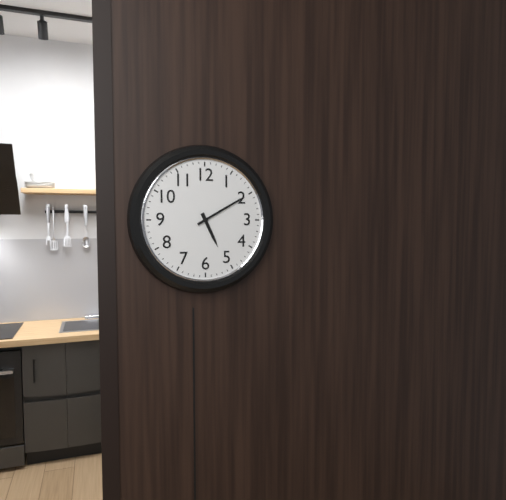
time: **5:10**
